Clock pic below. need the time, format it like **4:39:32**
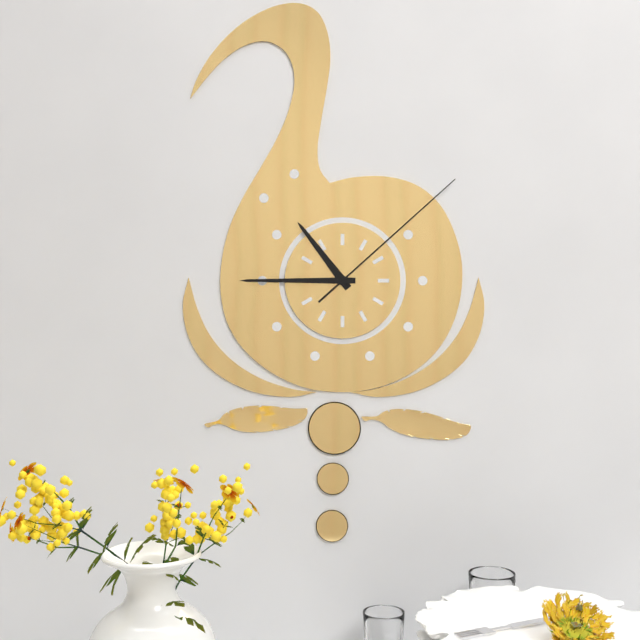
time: **10:45:08**
